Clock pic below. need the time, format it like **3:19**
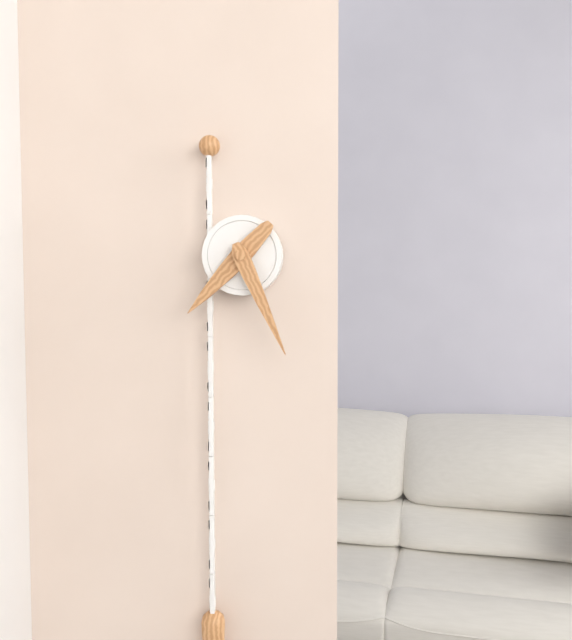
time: **7:26**
